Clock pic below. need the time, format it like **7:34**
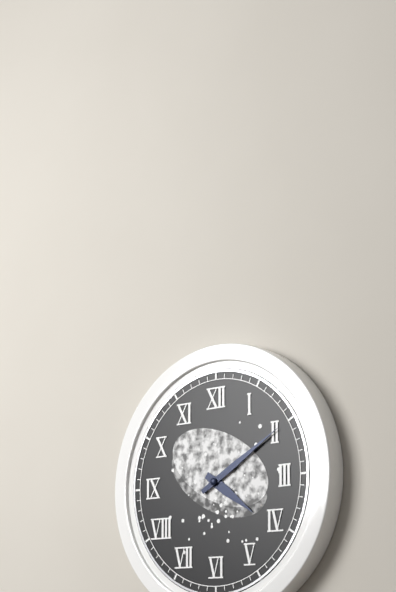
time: **4:10**
